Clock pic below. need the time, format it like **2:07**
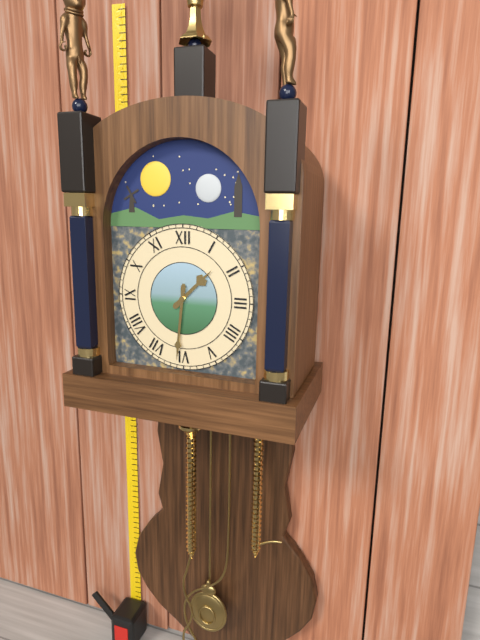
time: **1:31**
